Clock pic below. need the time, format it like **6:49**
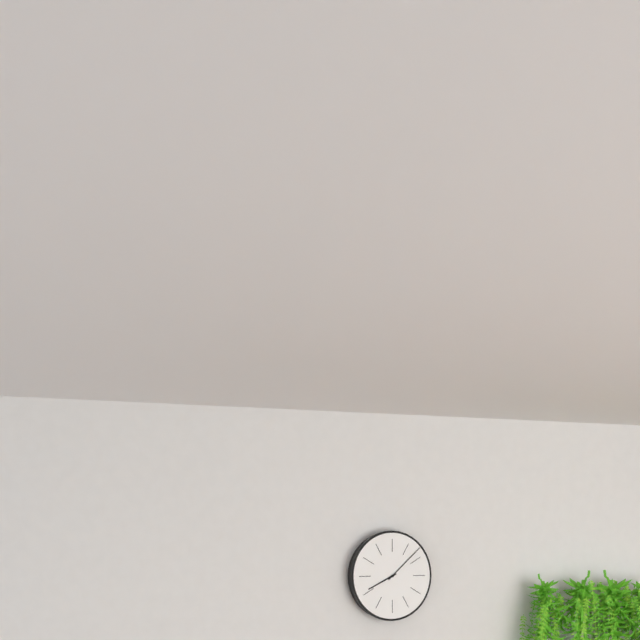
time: **8:08**
